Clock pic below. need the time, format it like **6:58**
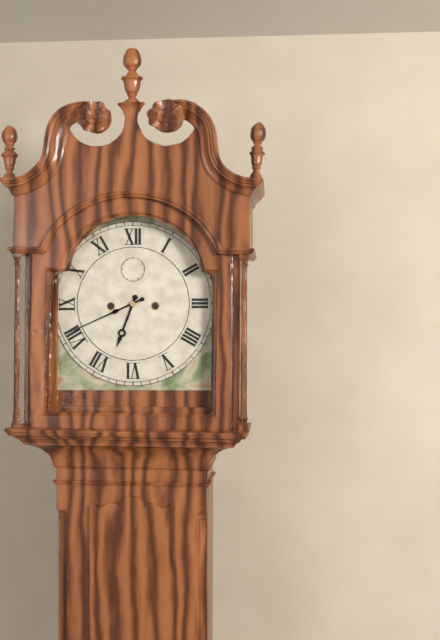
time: **6:41**
